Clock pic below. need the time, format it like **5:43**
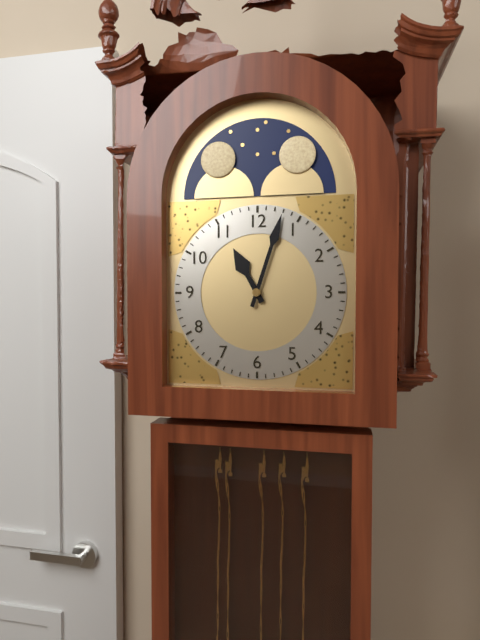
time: **11:03**
